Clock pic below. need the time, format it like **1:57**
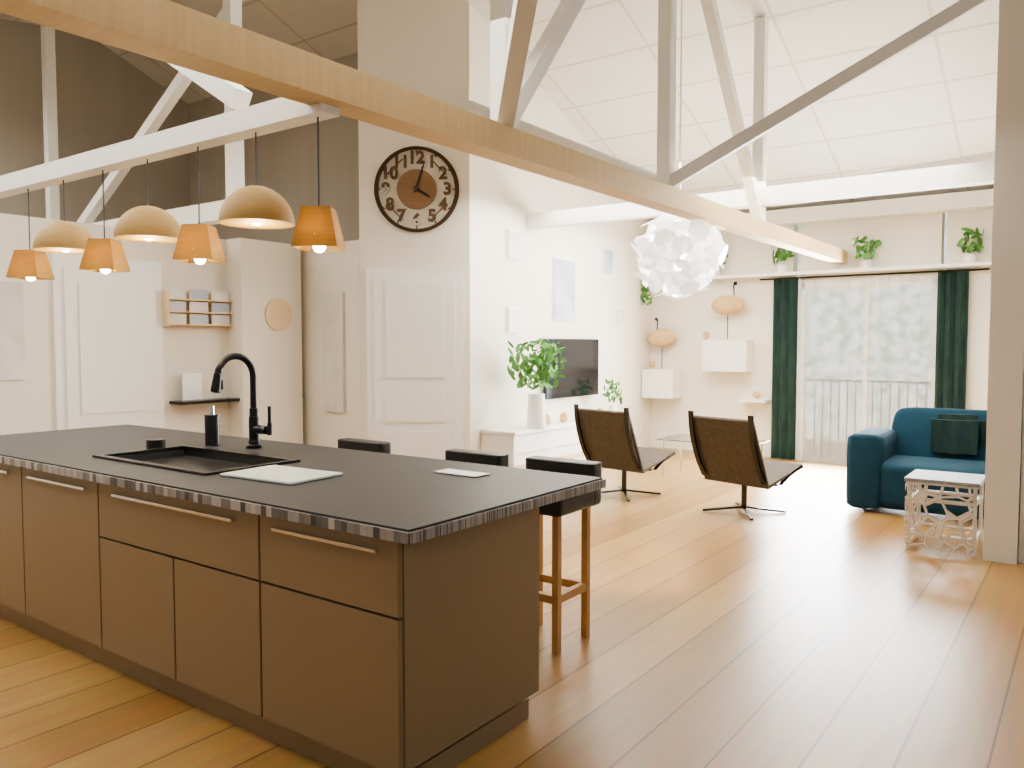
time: **4:03**
